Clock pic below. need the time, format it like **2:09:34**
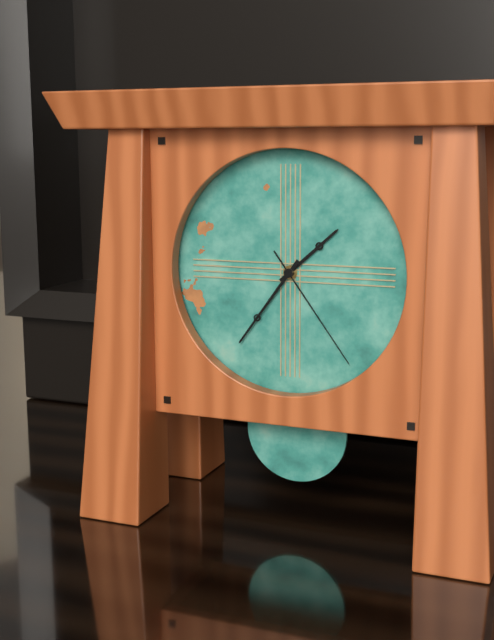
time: **1:36:24**
